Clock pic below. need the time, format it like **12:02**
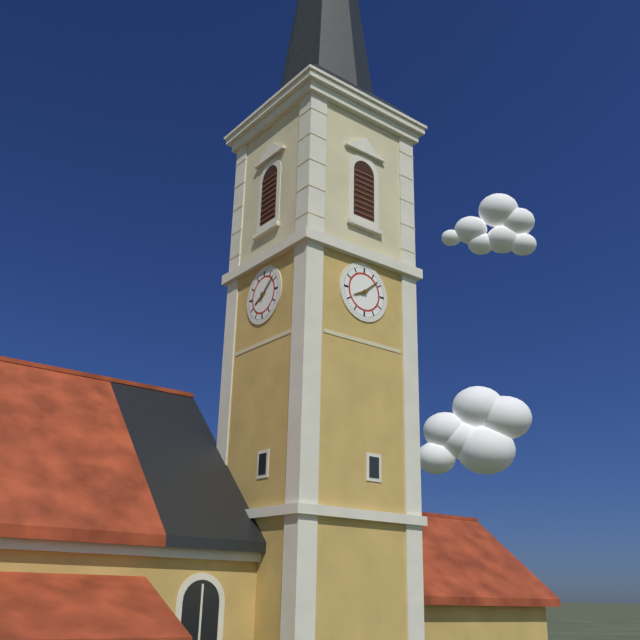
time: **8:08**
